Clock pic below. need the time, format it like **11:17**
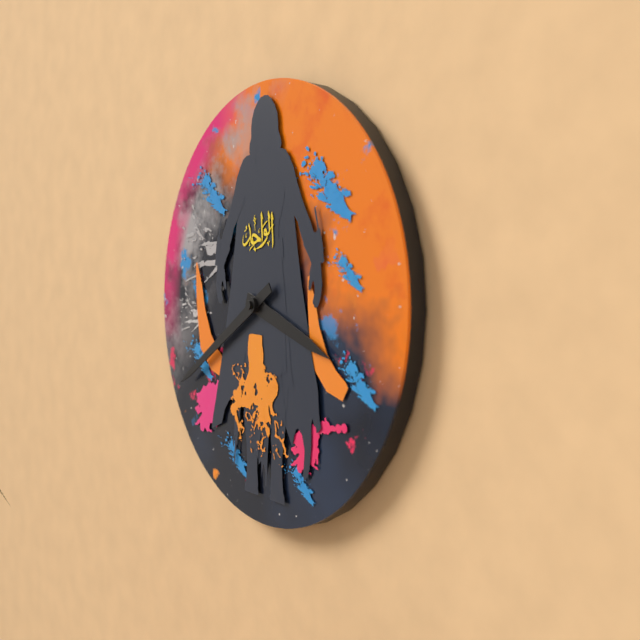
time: **3:40**
